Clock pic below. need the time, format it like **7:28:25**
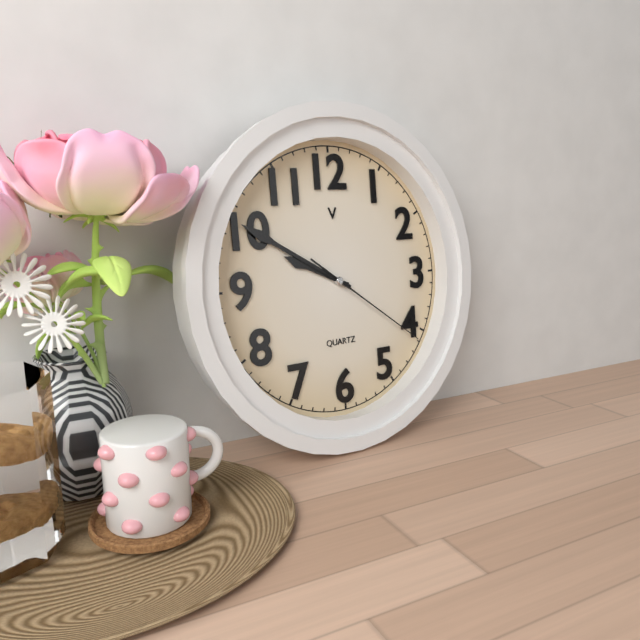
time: **9:50:21**
